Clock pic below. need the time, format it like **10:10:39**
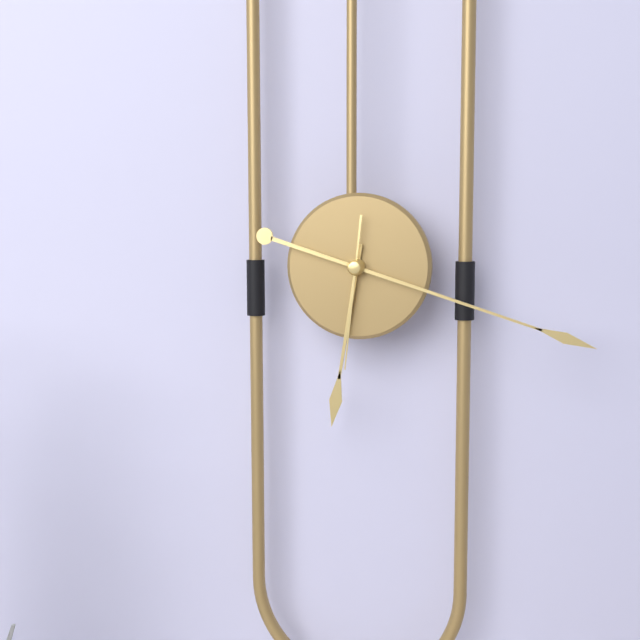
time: **6:18:31**
